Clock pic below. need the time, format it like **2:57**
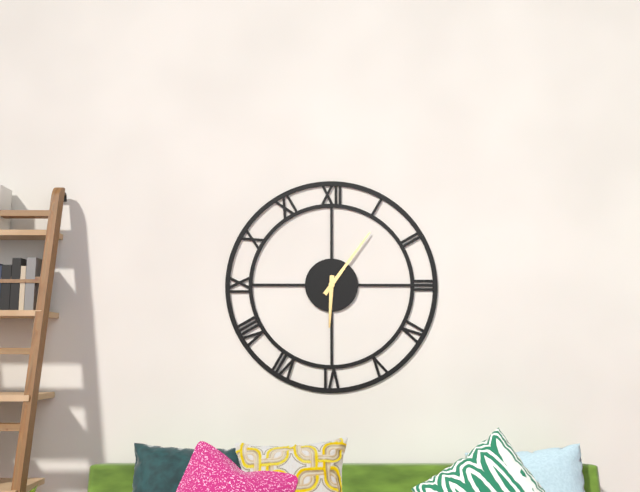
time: **6:06**
